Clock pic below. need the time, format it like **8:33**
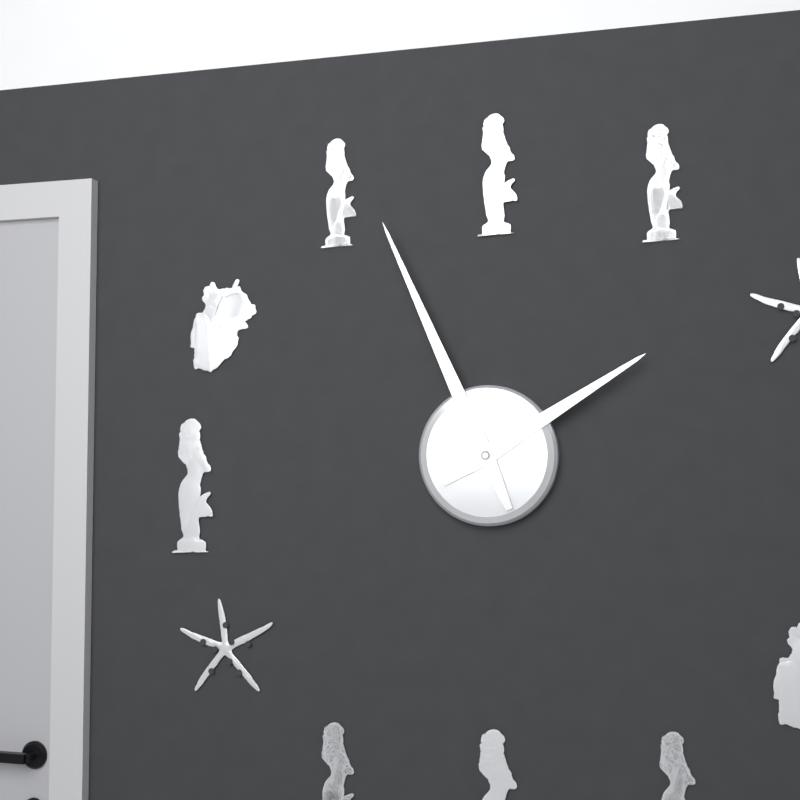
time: **1:56**
